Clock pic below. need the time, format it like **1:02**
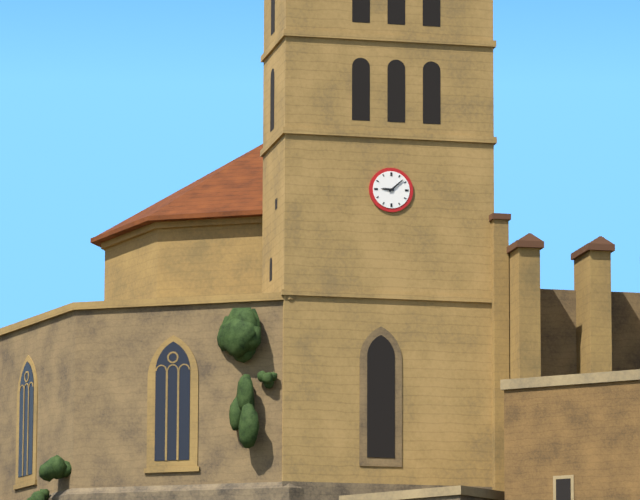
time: **9:08**
